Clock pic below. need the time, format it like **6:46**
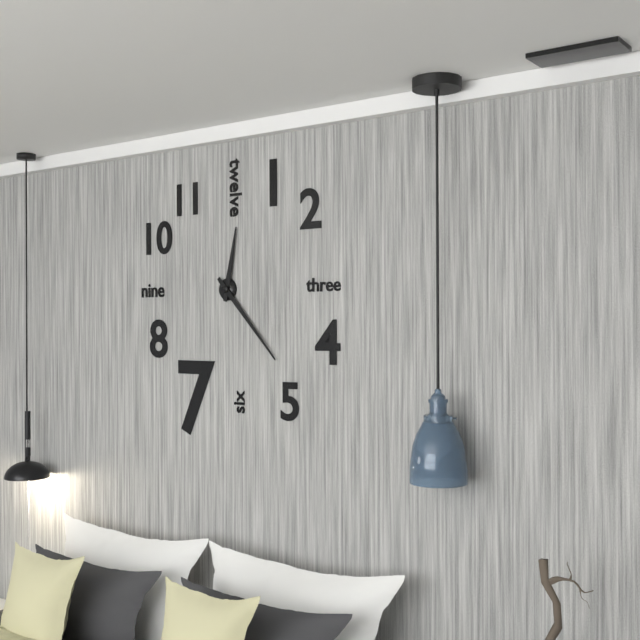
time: **12:23**
